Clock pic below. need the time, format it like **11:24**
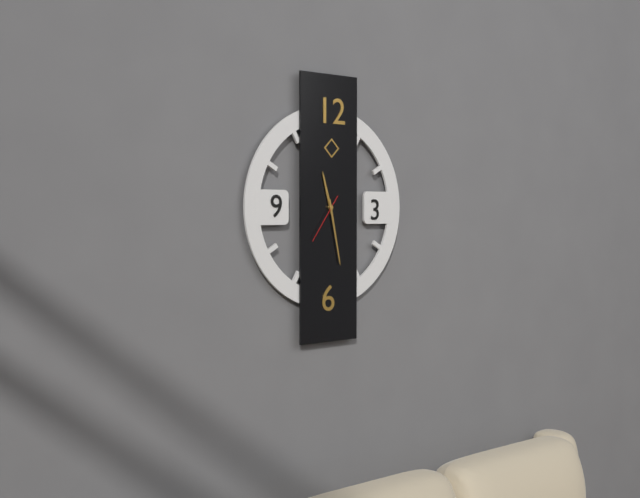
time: **11:28**
